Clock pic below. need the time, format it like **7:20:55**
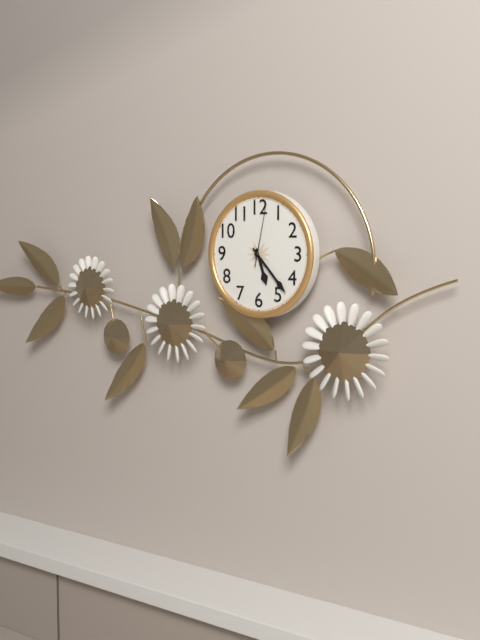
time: **5:23:02**
